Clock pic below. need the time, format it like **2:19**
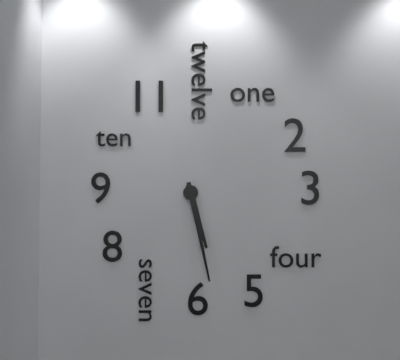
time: **5:28**
